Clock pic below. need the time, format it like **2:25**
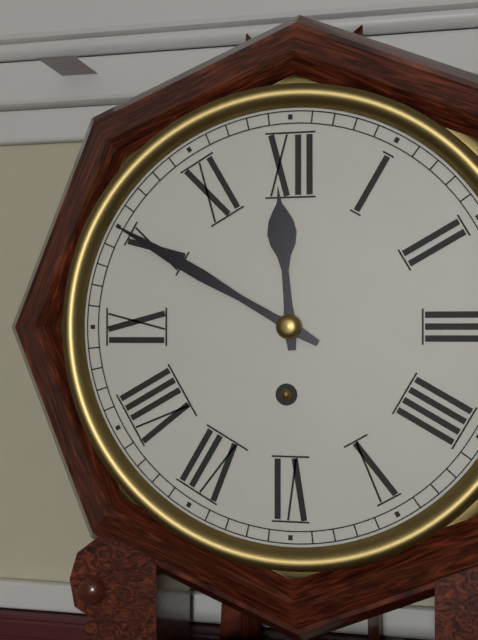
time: **11:50**
